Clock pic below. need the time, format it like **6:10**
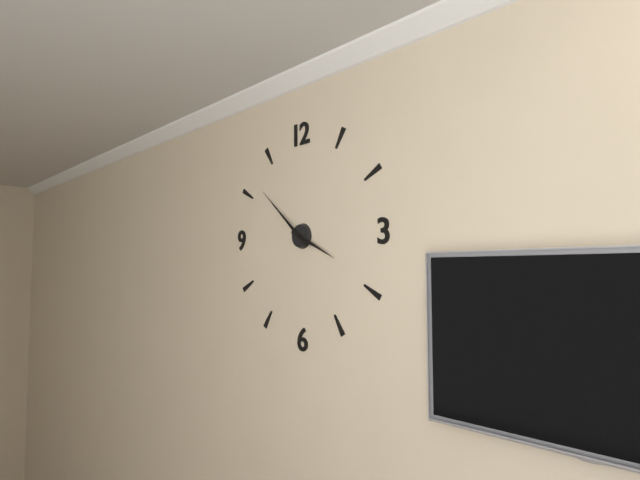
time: **3:52**
